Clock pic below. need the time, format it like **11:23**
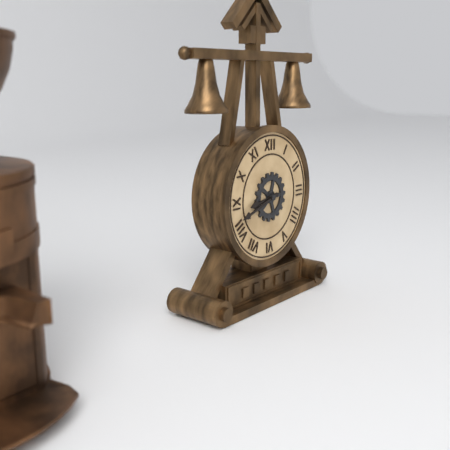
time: **8:42**
